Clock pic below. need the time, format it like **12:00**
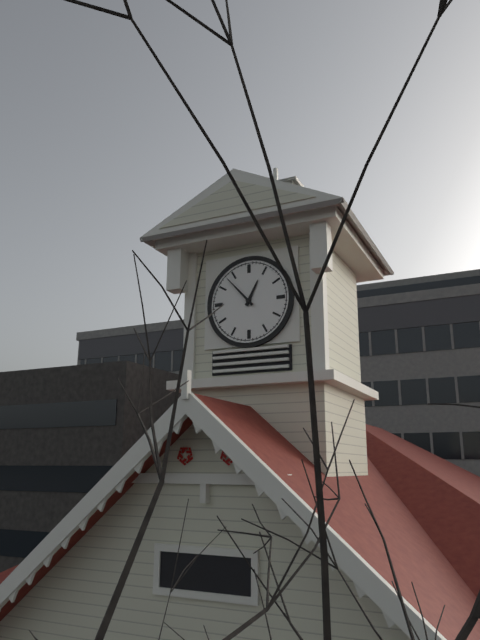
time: **12:53**
